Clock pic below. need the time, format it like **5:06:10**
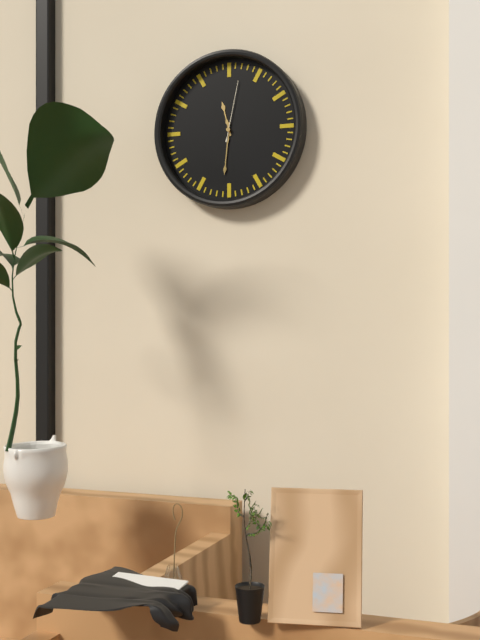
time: **11:31:02**
